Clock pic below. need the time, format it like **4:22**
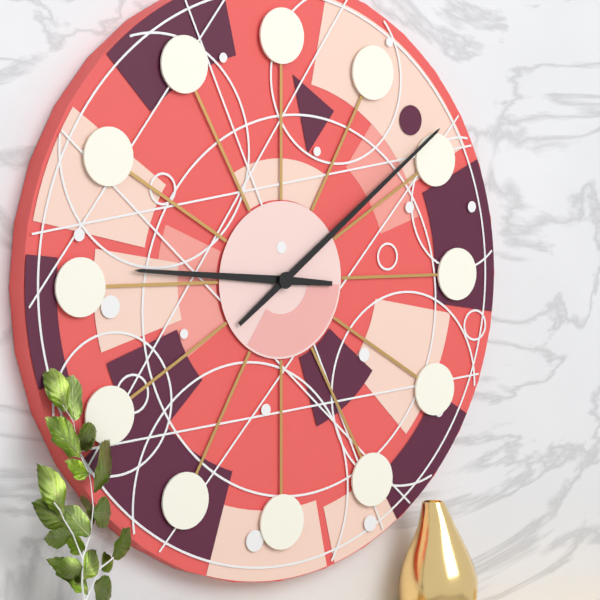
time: **9:09**
